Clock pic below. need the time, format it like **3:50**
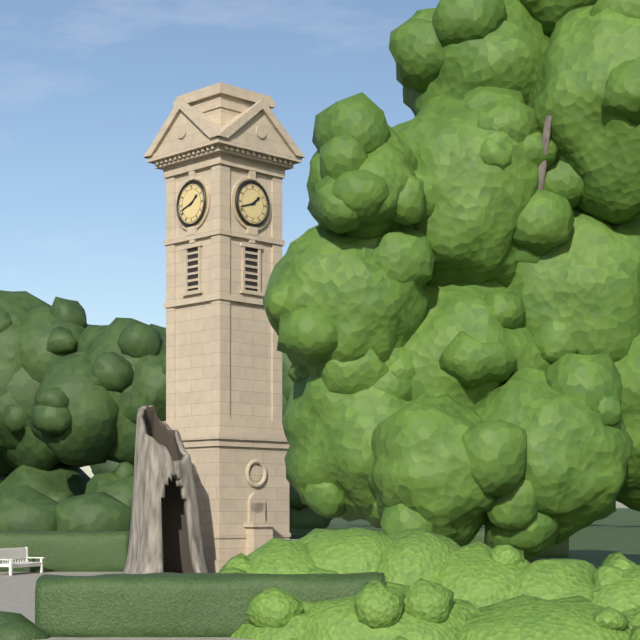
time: **1:42**
